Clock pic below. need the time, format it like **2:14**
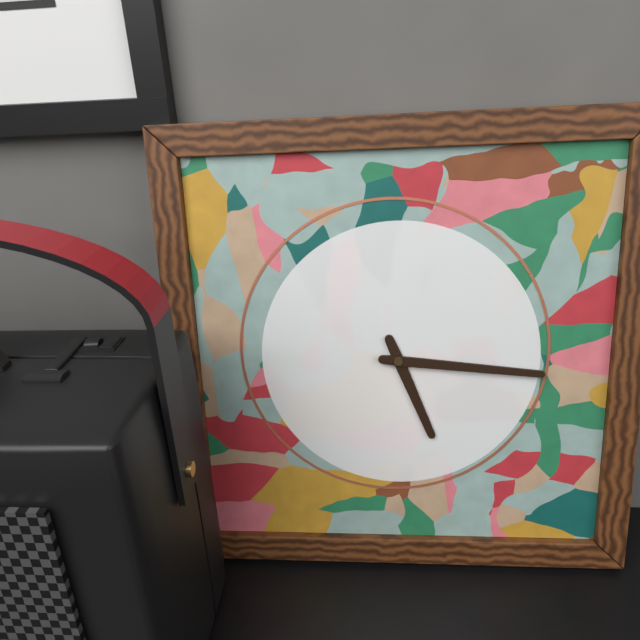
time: **5:16**
